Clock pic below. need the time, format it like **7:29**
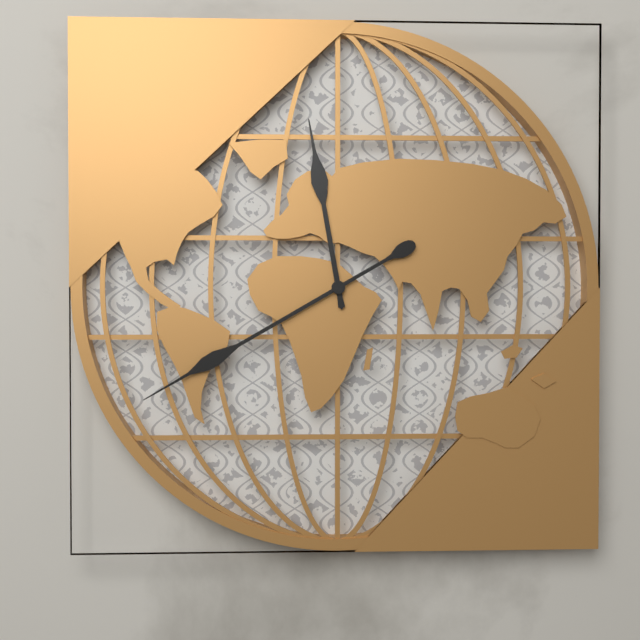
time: **11:40**
